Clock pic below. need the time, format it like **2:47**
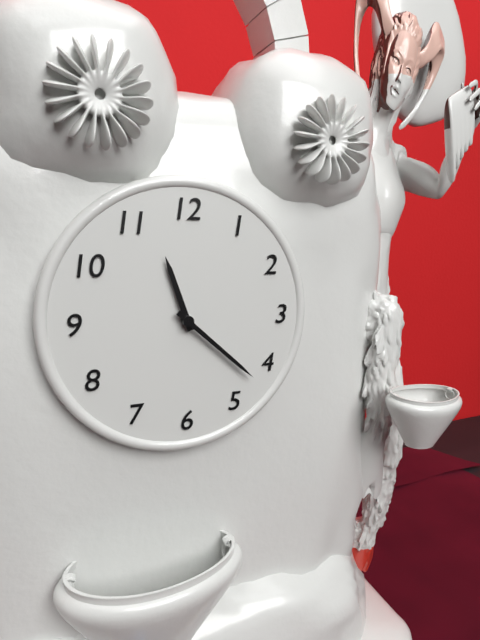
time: **11:22**
